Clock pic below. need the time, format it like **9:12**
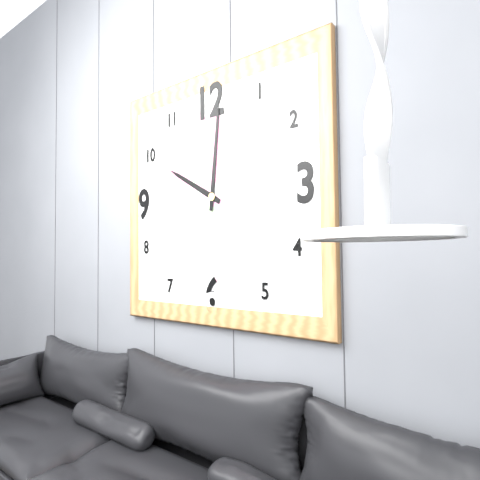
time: **10:01**
